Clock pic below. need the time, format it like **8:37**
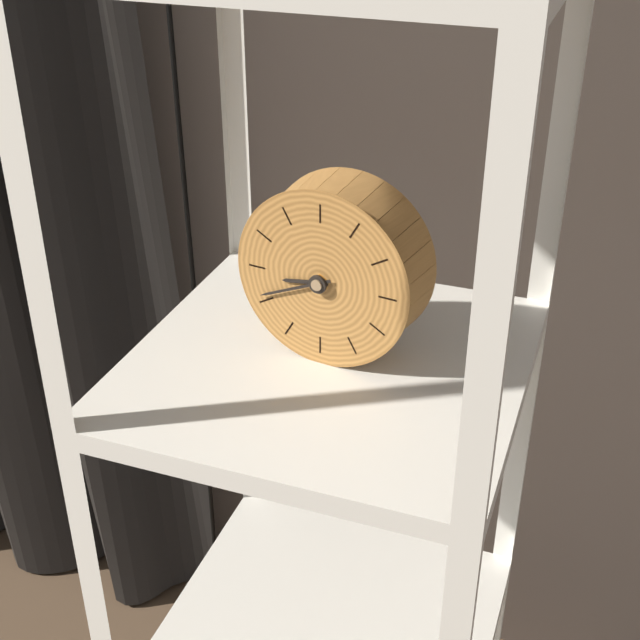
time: **8:41**
